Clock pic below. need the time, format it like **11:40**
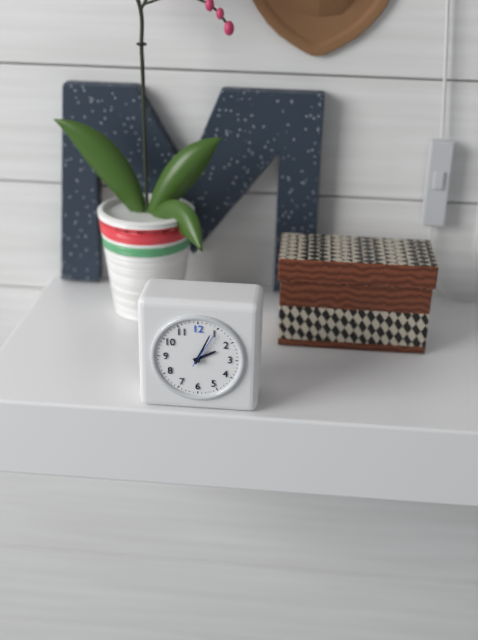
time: **2:04**
